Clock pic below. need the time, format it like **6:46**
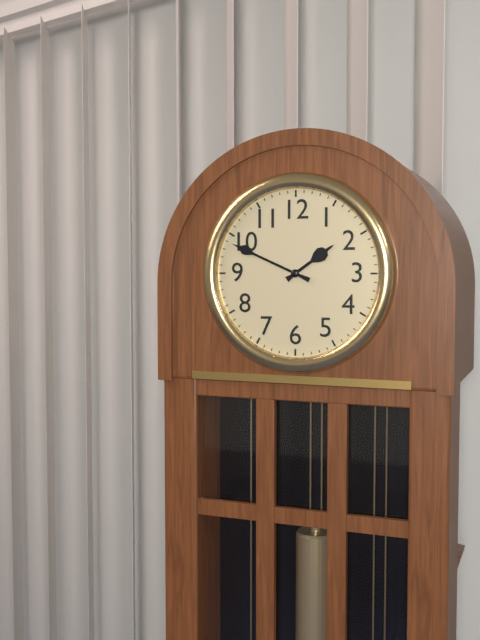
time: **1:49**
